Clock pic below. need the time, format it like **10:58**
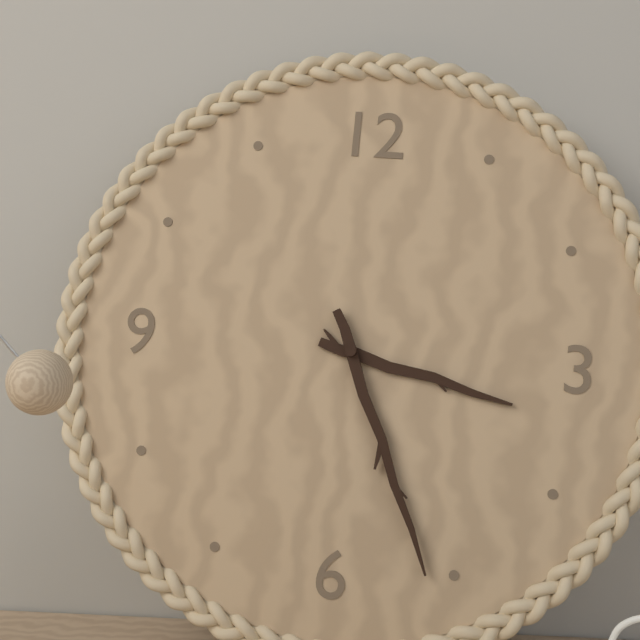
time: **3:26**
